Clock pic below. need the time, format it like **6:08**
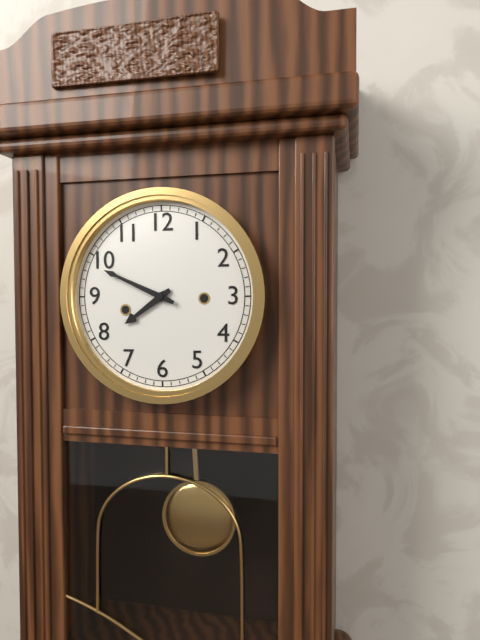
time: **7:49**
